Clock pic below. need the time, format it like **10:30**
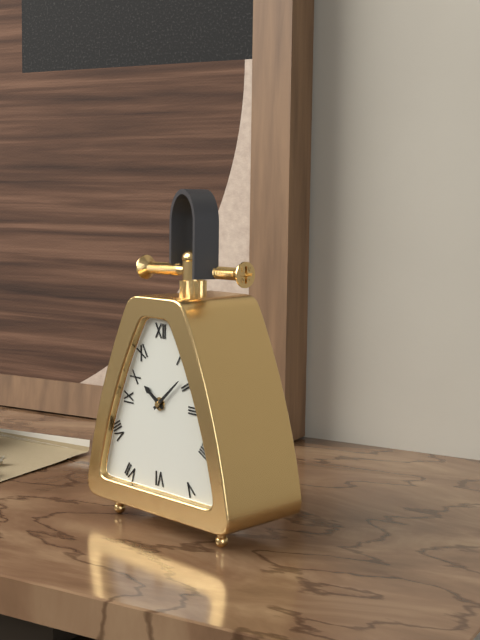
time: **10:08**
